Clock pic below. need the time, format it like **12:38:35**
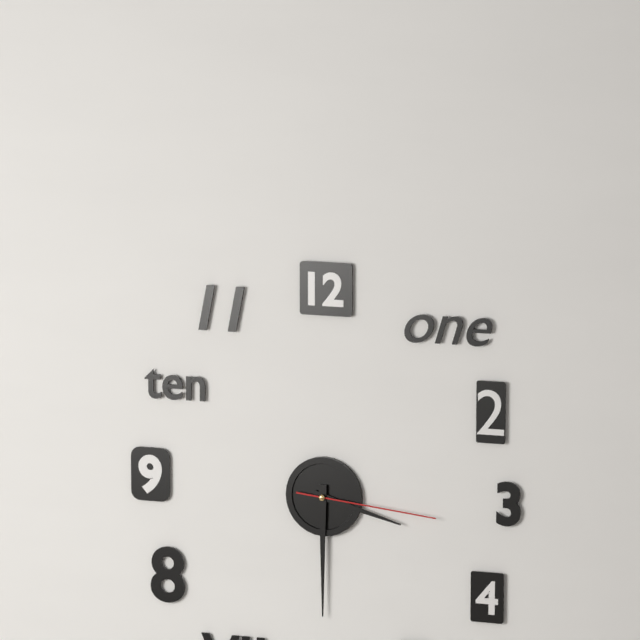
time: **3:30:16**
